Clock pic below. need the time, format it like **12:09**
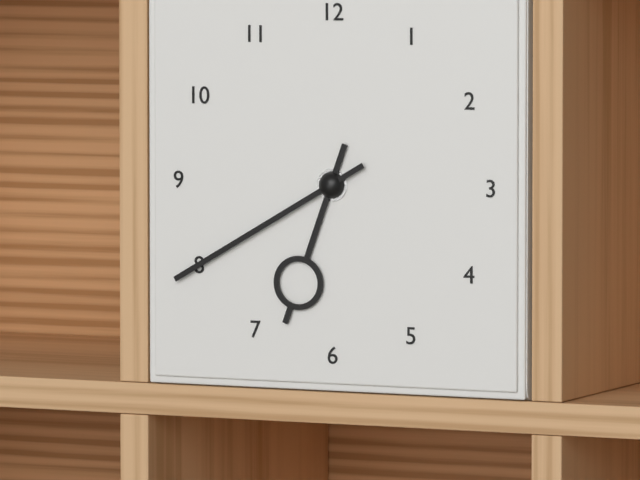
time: **6:40**
